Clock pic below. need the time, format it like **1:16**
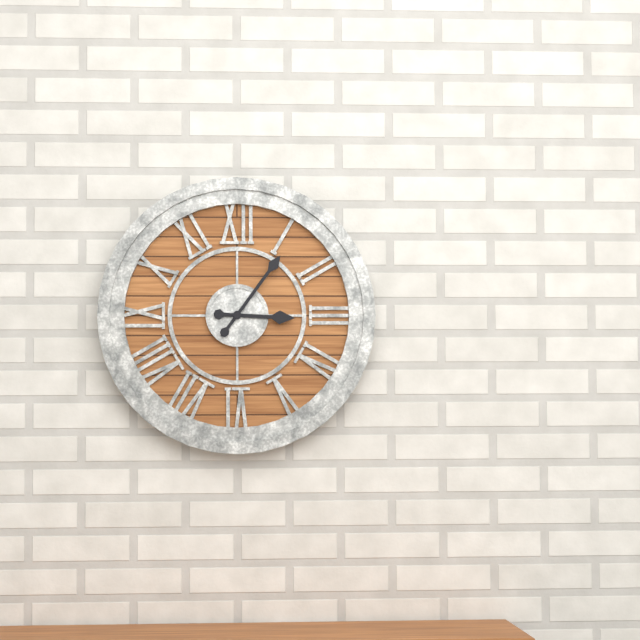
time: **3:06**
